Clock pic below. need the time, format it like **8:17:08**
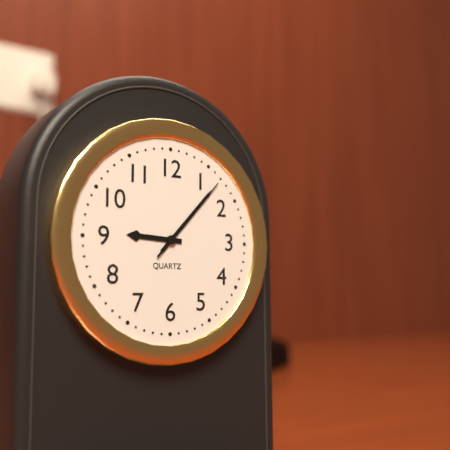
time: **9:07:07**
